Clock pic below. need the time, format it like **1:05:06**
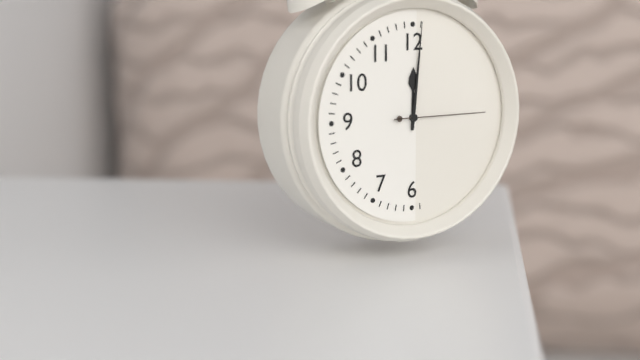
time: **12:01:15**
